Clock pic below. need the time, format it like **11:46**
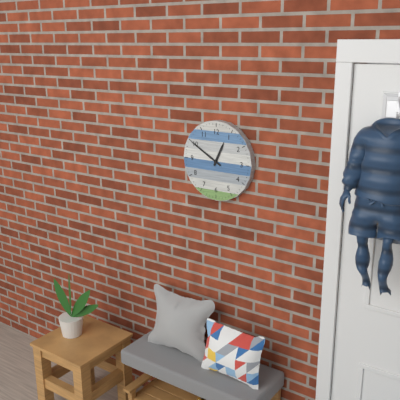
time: **12:50**
